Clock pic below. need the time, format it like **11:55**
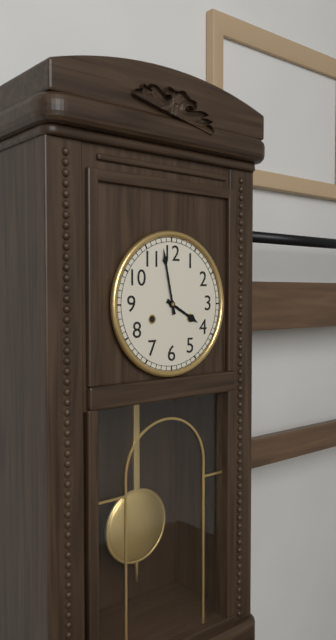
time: **3:58**
